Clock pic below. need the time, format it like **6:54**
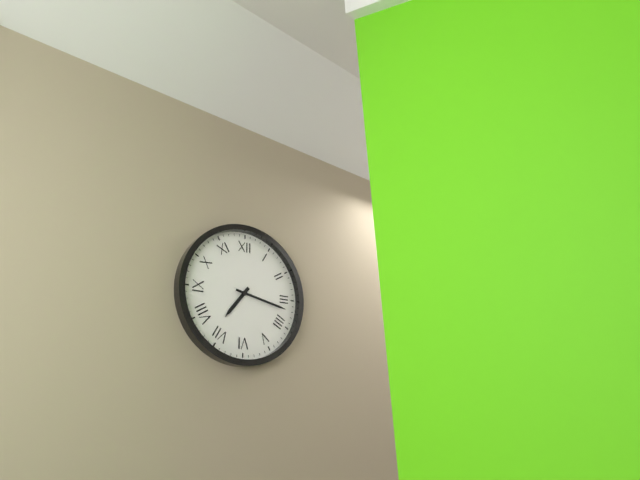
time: **7:17**
